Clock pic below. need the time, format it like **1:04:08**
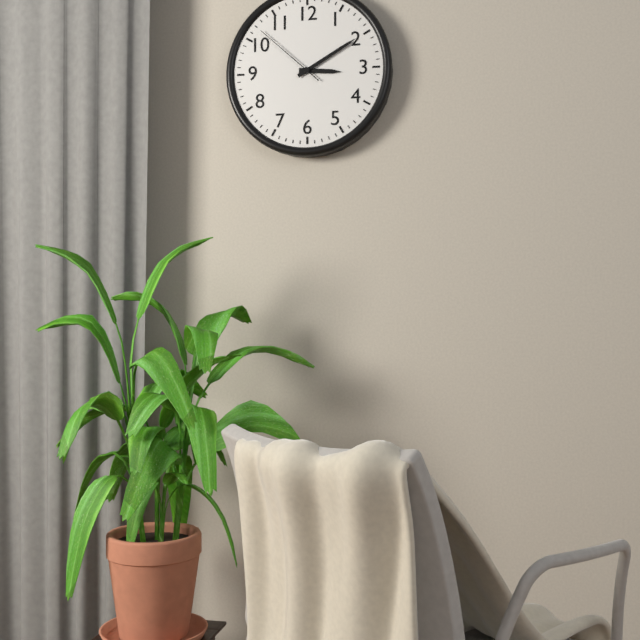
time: **3:10:52**
